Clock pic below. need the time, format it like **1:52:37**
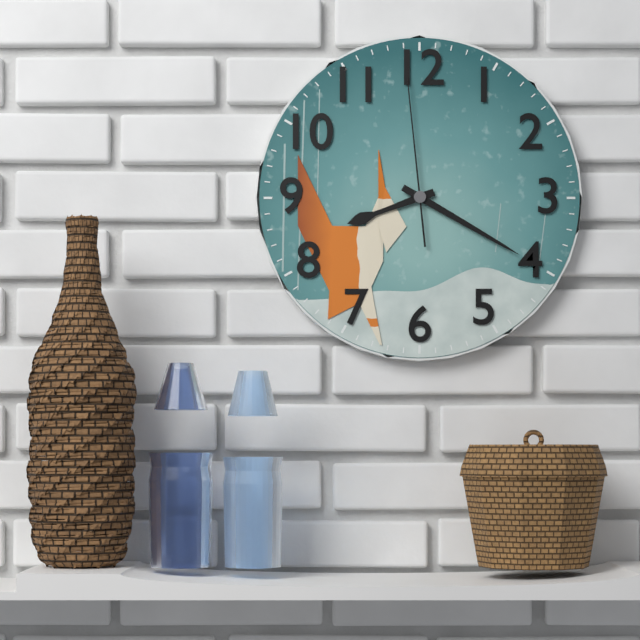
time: **8:20:59**
